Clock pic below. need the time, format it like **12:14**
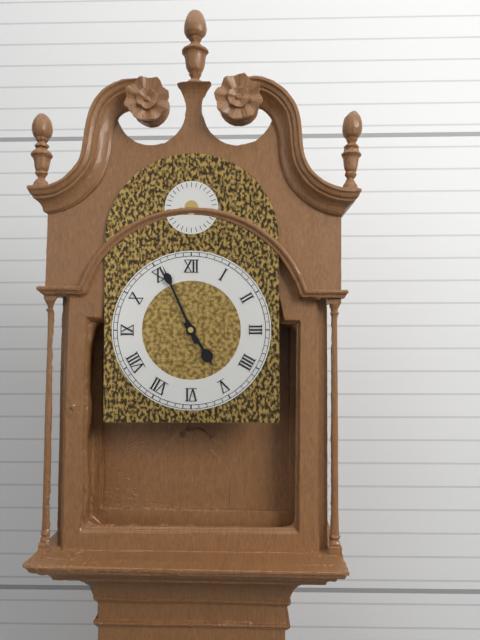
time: **4:56**
